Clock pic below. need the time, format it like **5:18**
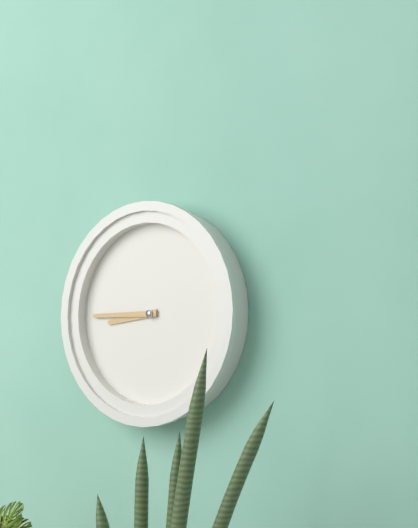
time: **8:45**
